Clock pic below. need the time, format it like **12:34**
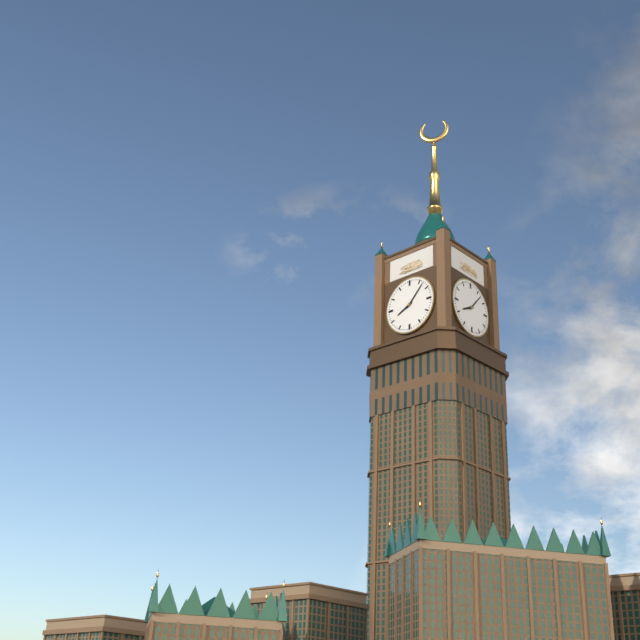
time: **8:07**
